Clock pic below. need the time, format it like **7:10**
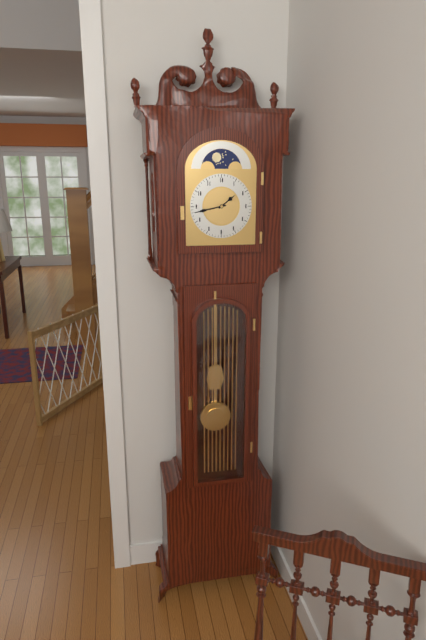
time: **1:43**
